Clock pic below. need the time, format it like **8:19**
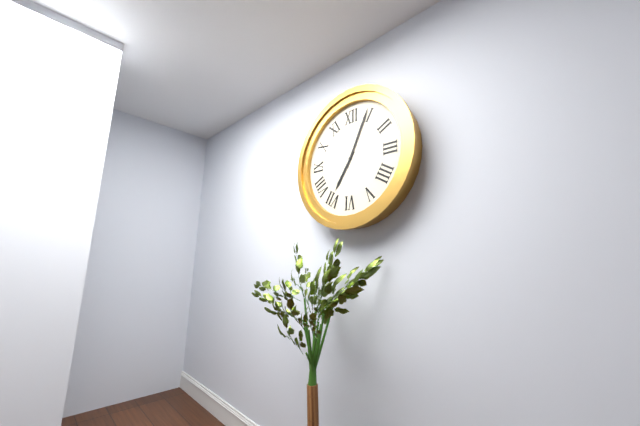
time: **7:04**
